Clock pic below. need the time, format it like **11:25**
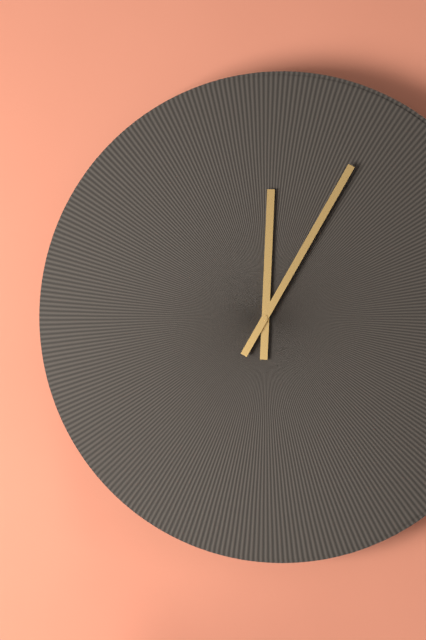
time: **12:05**
